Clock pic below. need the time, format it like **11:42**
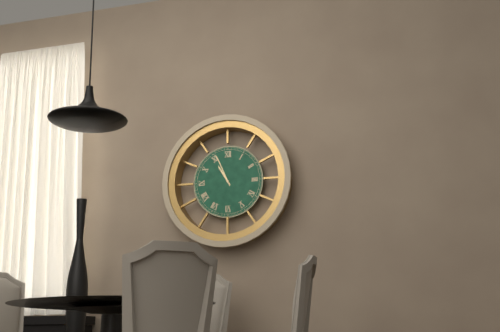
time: **10:56**
